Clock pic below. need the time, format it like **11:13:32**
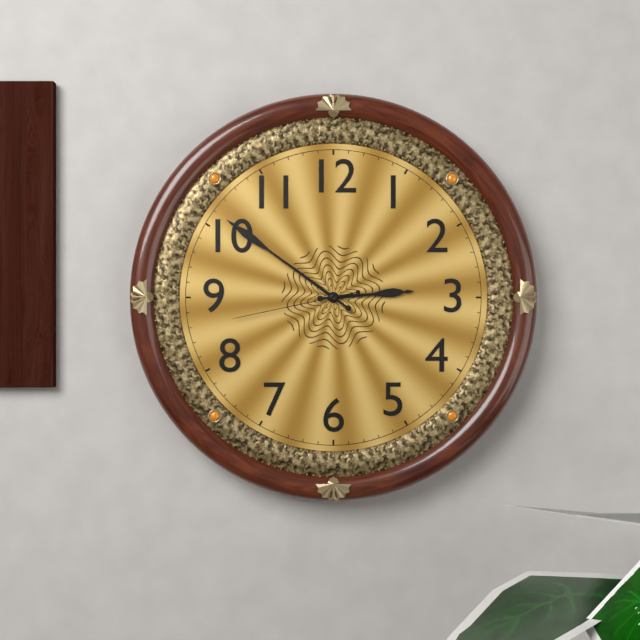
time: **2:51:43**
